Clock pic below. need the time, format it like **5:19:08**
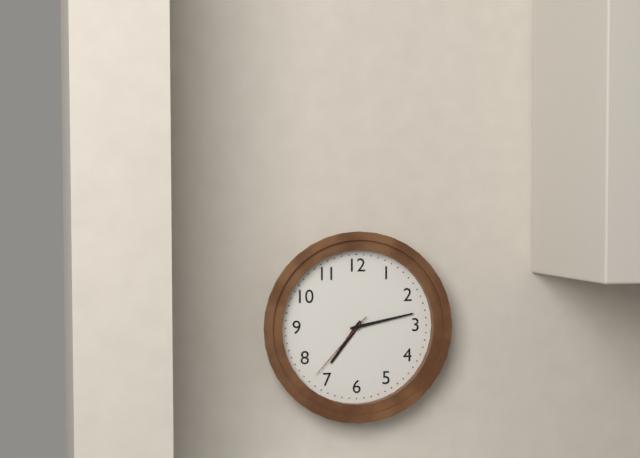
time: **7:13:37**
